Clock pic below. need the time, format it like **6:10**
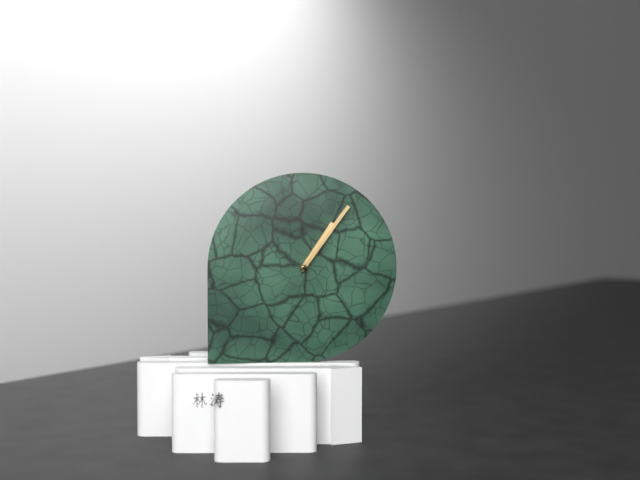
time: **1:06**
